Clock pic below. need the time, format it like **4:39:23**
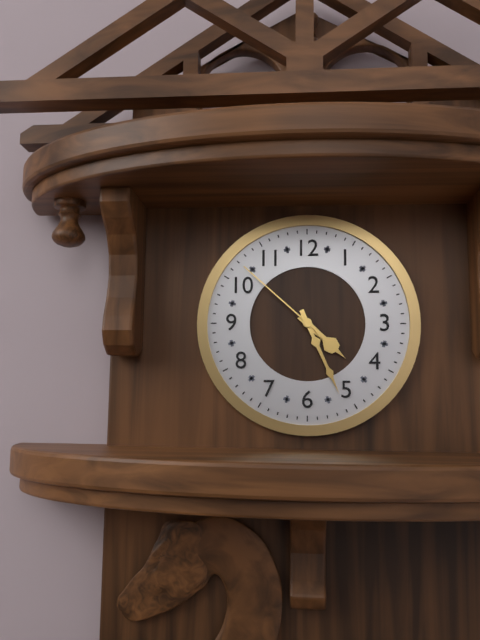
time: **4:26:52**
